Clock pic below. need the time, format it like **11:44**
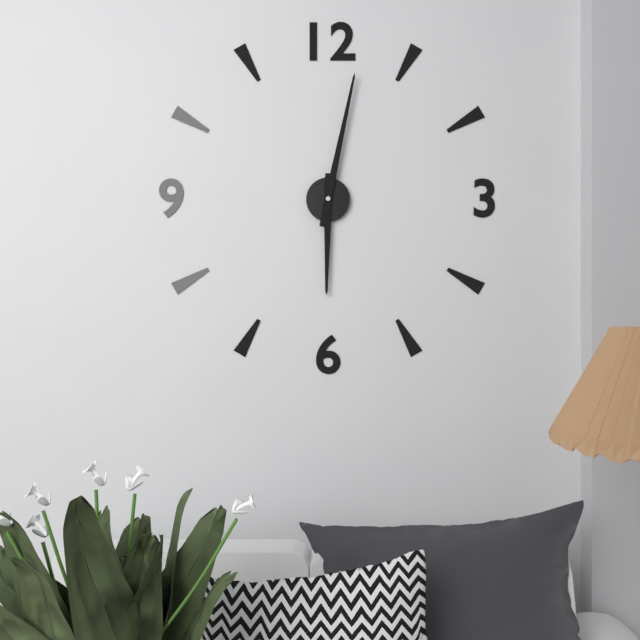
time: **6:02**
